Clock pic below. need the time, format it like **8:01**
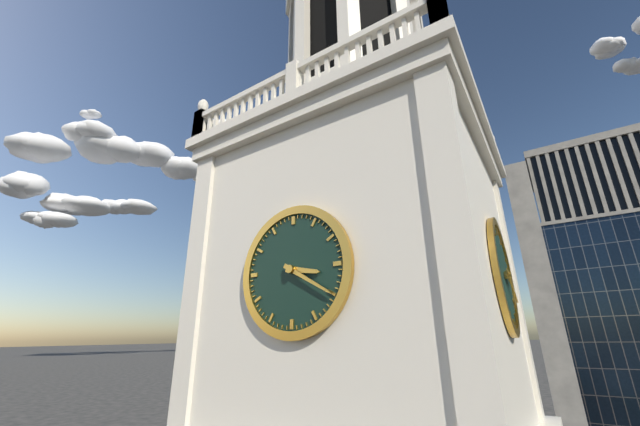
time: **3:20**
